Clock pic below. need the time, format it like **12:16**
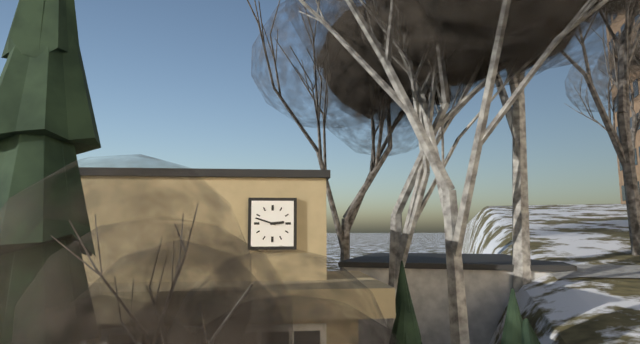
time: **2:48**
